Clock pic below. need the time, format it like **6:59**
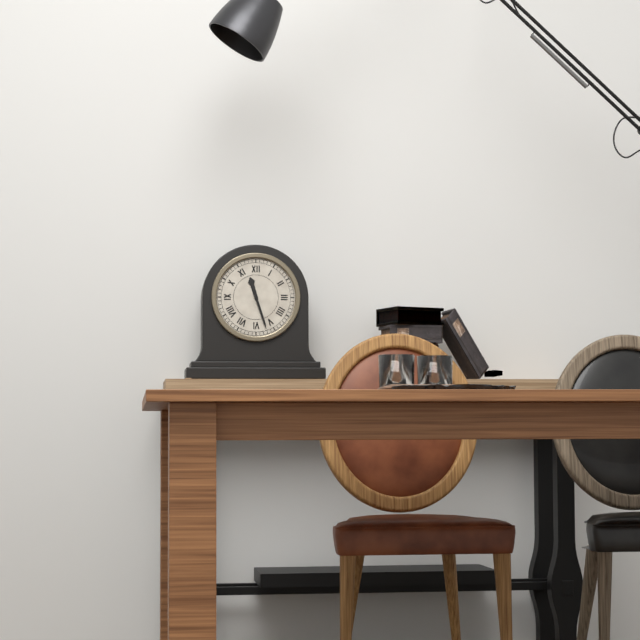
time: **11:27**
